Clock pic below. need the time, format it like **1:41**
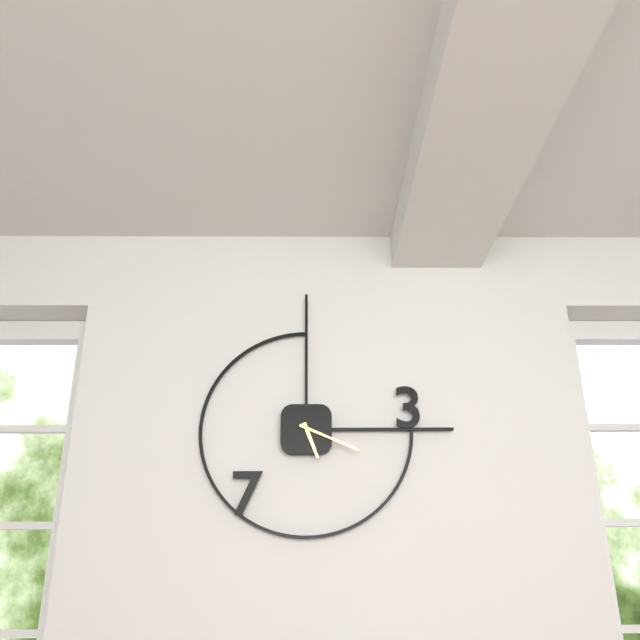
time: **5:19**
